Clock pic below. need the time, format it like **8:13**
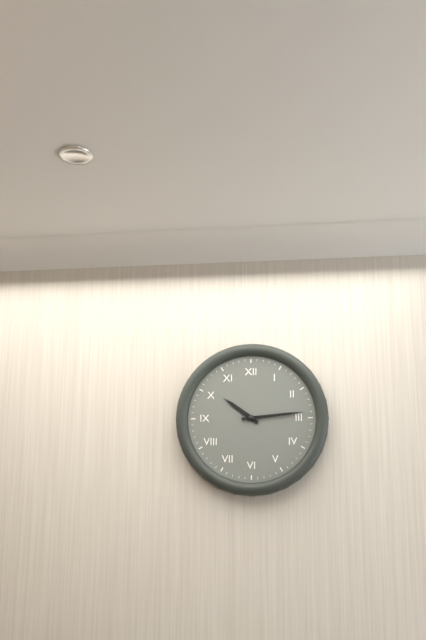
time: **10:14**
